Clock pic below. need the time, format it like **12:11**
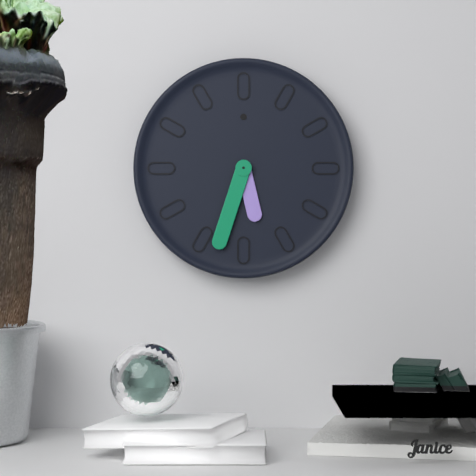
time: **5:33**
